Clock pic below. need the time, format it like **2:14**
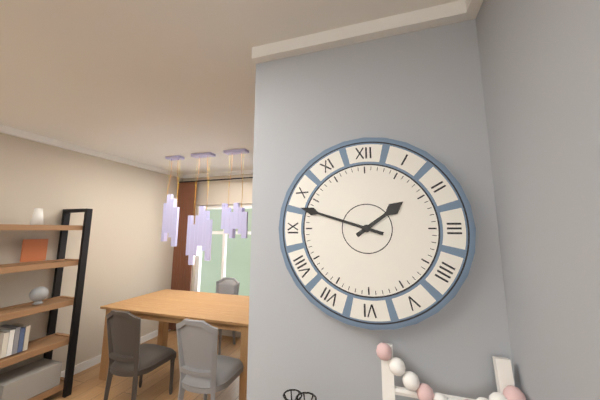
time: **1:48**
